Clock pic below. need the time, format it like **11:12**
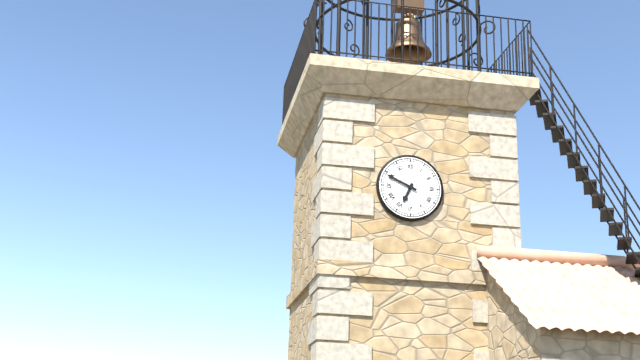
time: **6:49**
